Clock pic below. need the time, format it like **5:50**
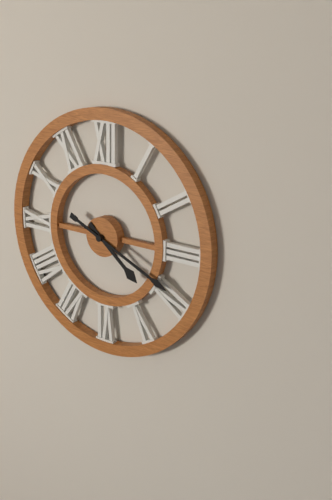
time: **4:19**
